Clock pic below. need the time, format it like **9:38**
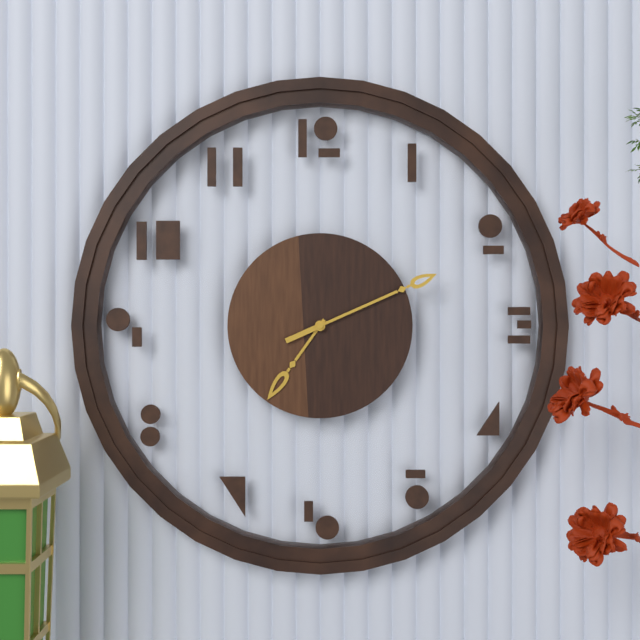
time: **7:11**
